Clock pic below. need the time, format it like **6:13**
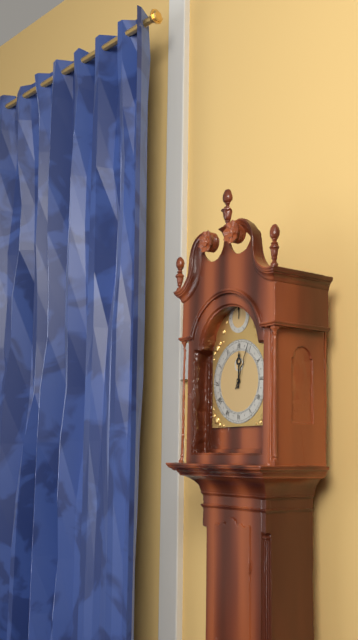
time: **12:04**
